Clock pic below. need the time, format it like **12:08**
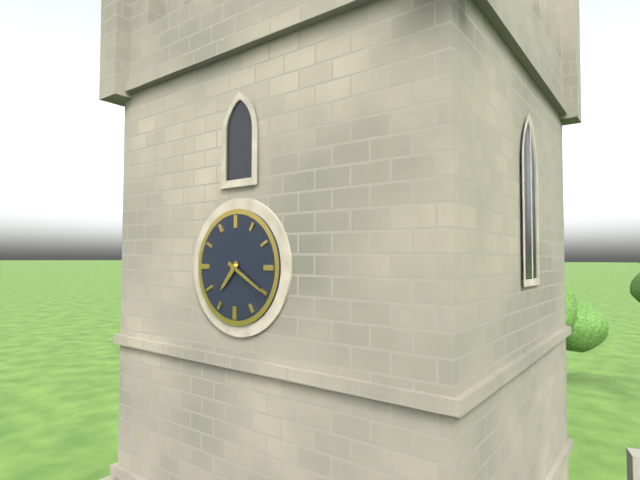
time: **7:20**
